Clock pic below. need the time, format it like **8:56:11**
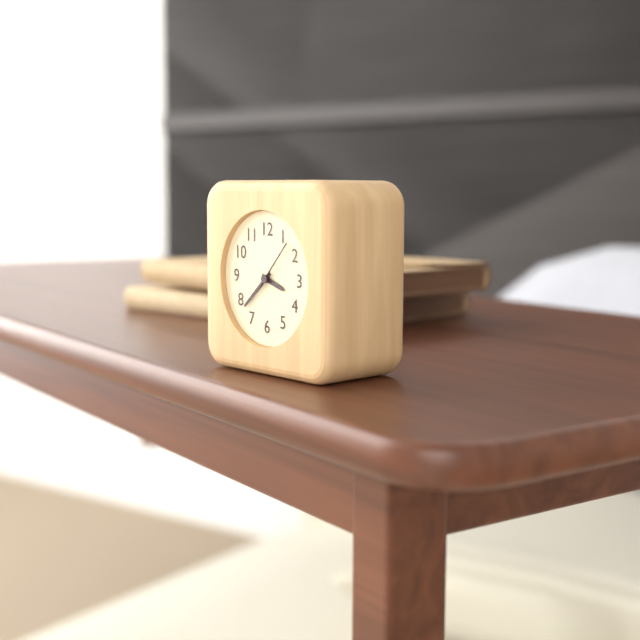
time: **3:38:07**
